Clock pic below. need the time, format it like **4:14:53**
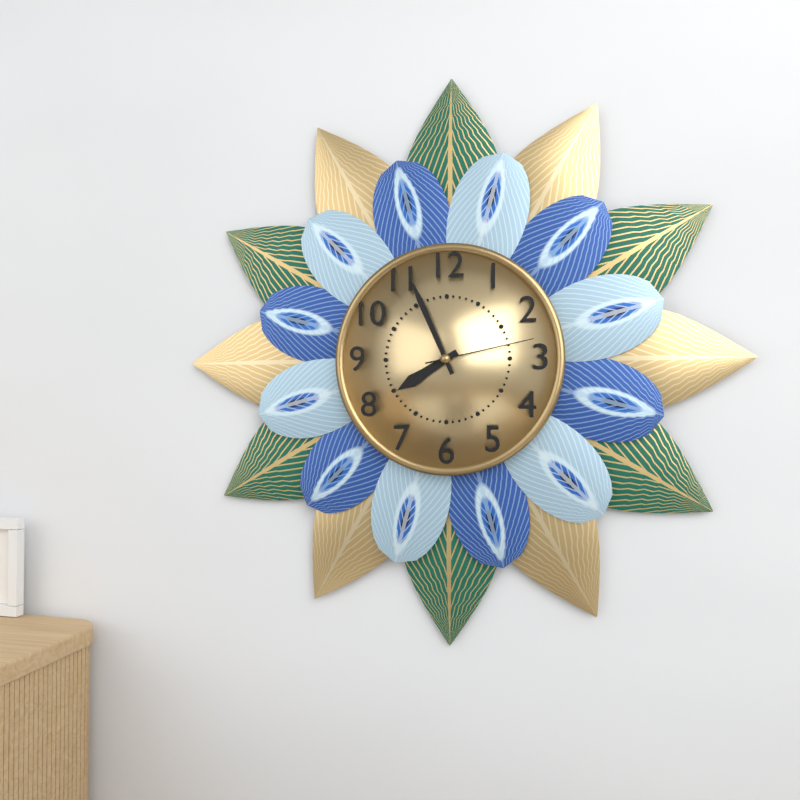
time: **7:56:13**
